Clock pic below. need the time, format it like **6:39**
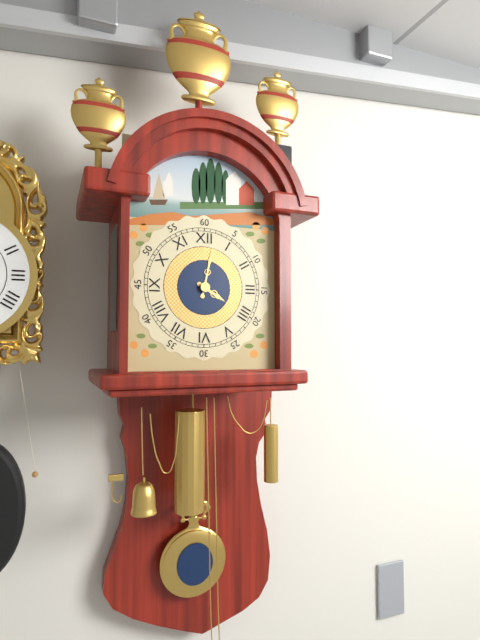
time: **4:02**
